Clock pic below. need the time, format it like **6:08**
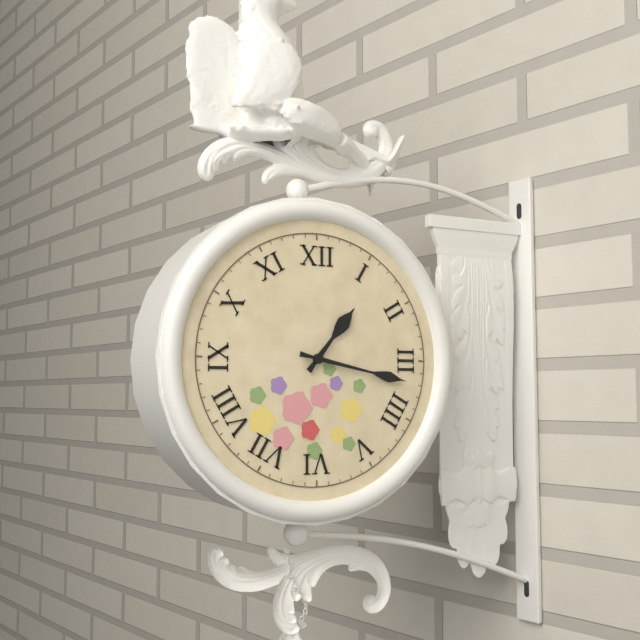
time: **1:17**
